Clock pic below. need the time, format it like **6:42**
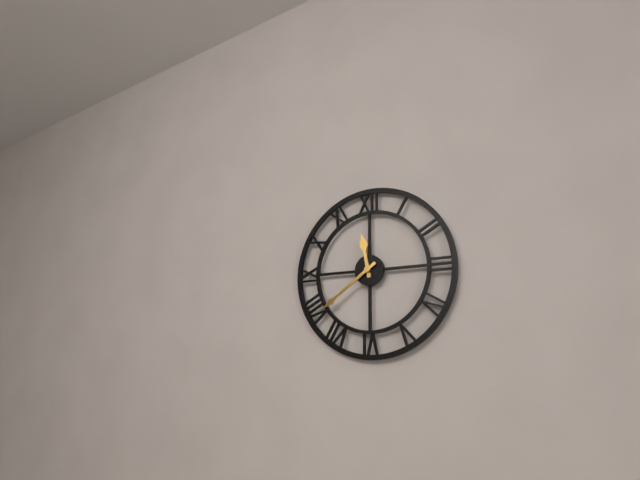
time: **11:39**
